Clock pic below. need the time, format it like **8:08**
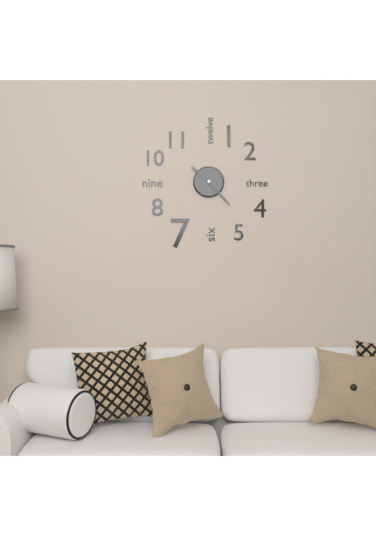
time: **10:23**
